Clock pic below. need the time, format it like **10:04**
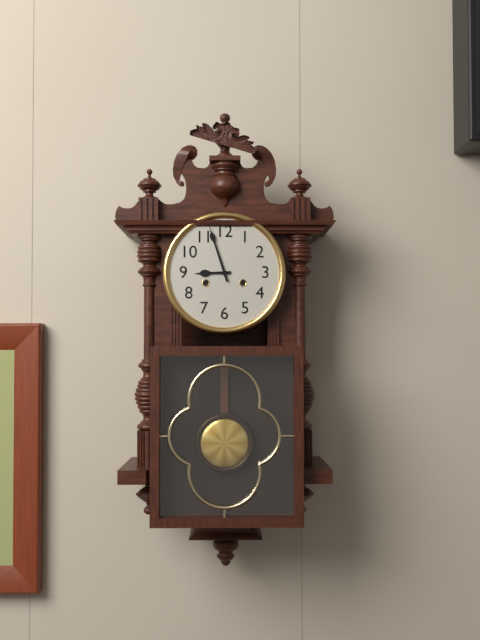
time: **8:57**
